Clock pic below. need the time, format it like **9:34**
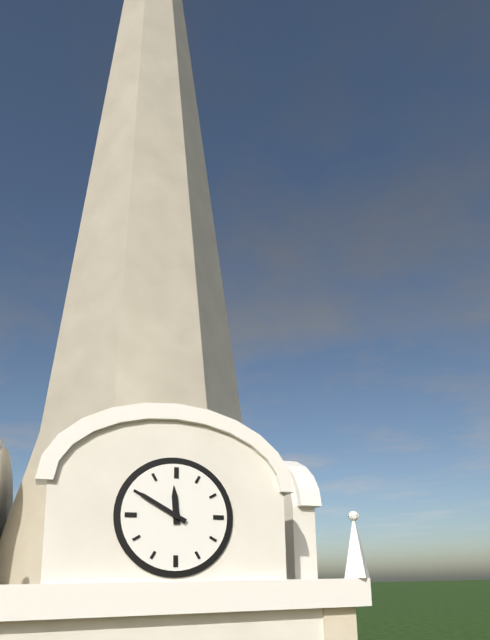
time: **11:50**
